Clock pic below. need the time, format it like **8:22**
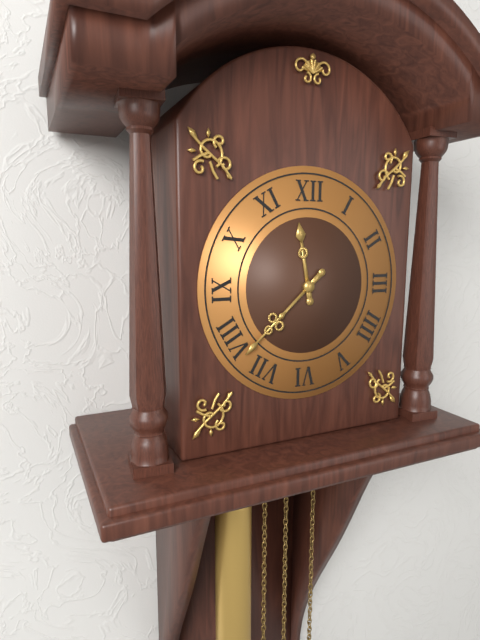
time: **11:38**
